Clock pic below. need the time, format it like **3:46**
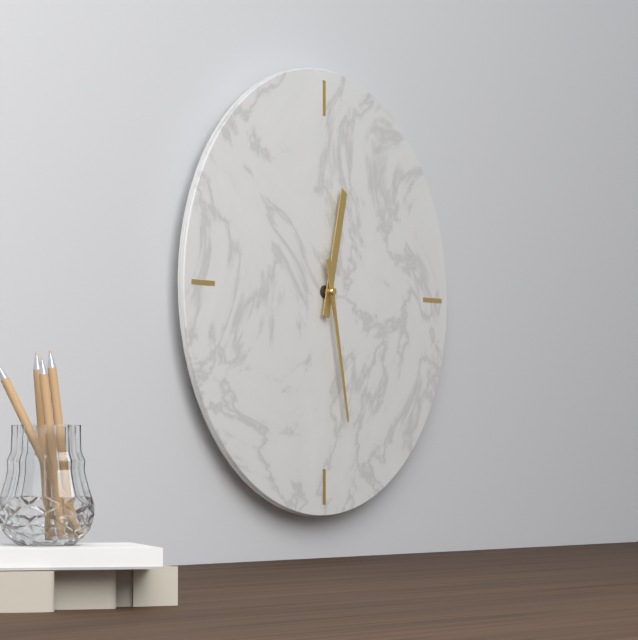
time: **12:28**
